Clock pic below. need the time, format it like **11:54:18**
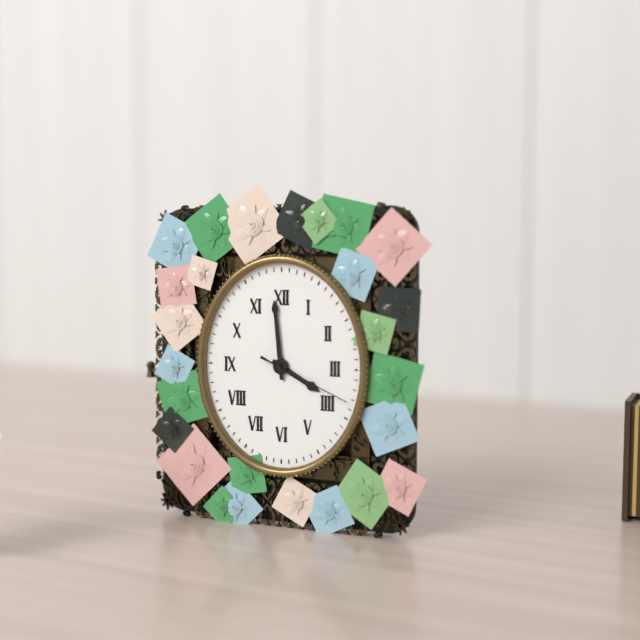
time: **3:59:19**
